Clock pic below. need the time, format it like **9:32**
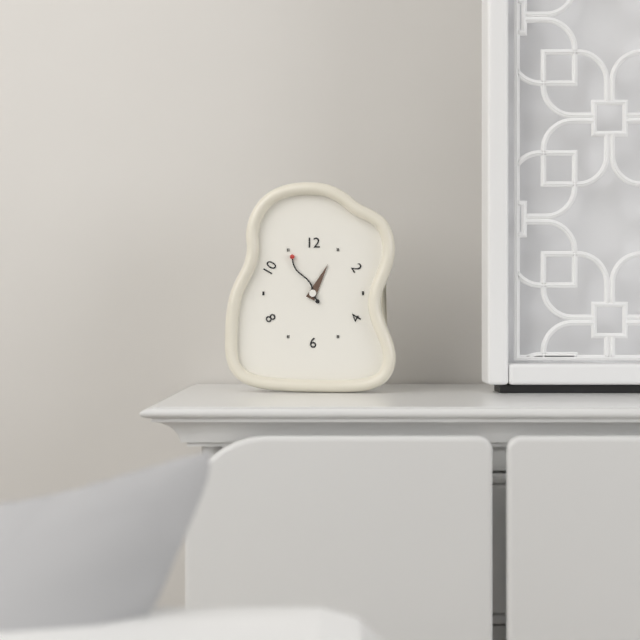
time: **12:55**
